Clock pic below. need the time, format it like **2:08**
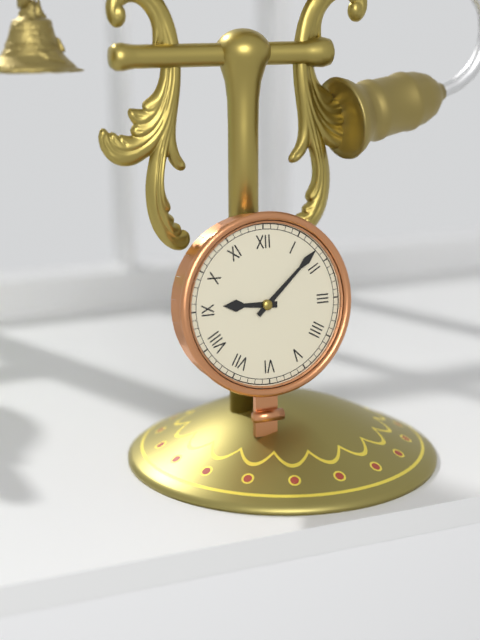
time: **9:08**
